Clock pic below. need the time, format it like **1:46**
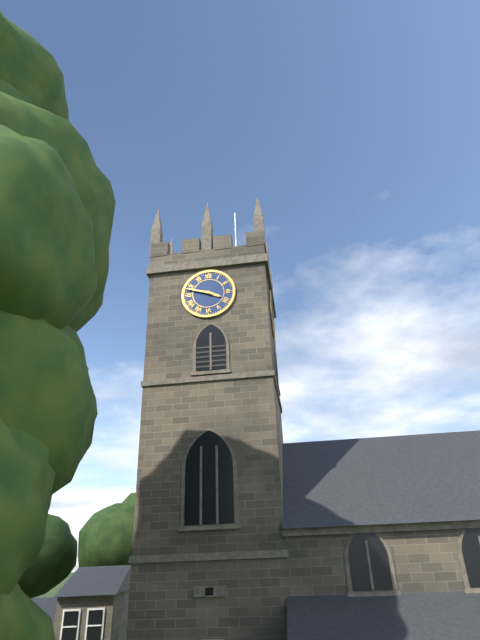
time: **3:48**
